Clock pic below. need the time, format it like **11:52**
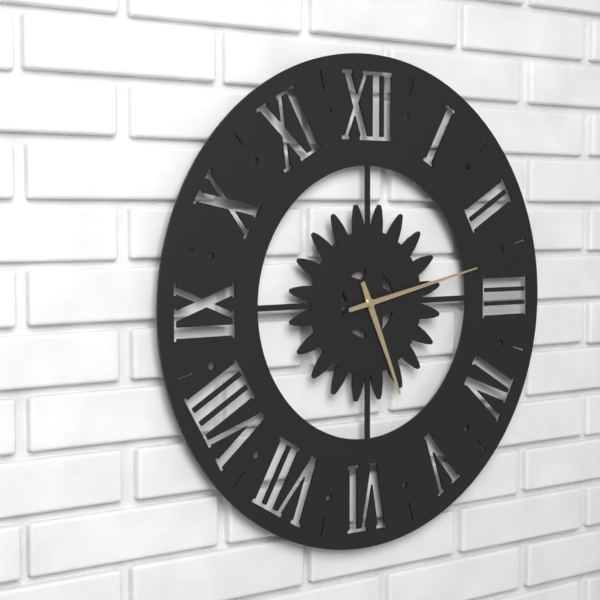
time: **5:13**
